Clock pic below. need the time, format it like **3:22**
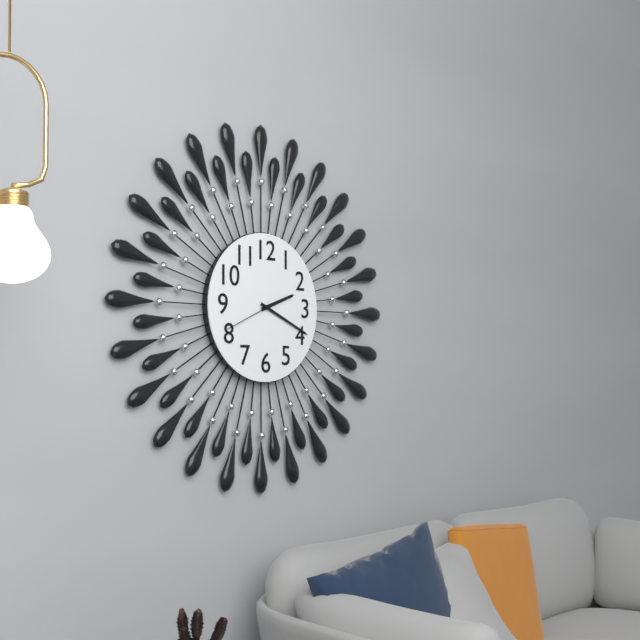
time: **2:19**
